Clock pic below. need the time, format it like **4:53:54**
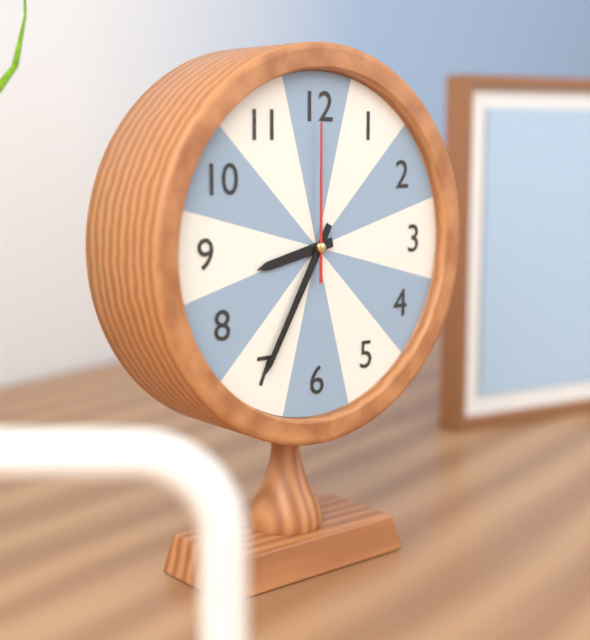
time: **8:35:00**
